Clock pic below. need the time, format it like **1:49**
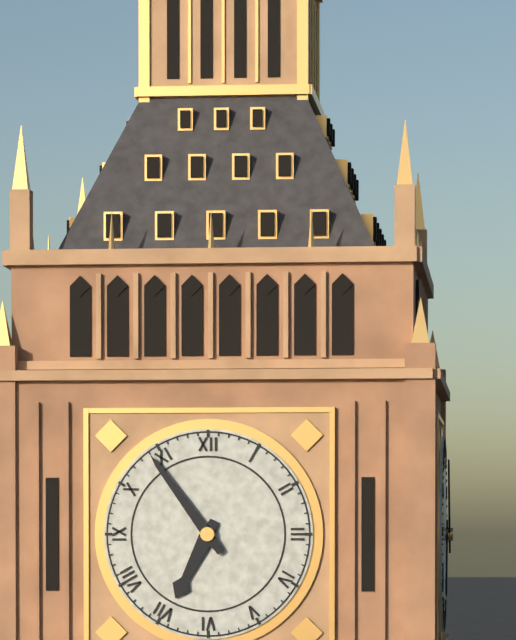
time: **6:54**
